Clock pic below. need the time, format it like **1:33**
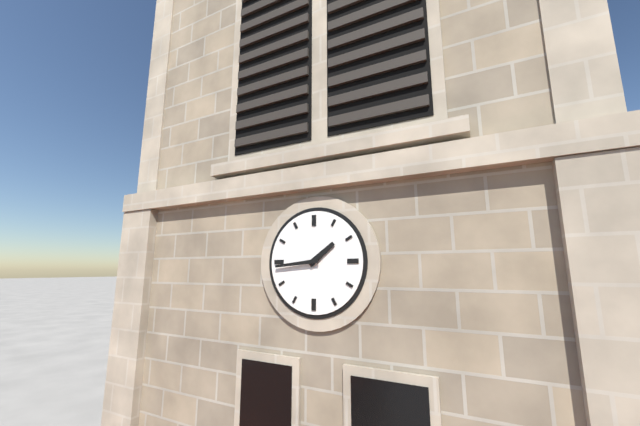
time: **1:44**
